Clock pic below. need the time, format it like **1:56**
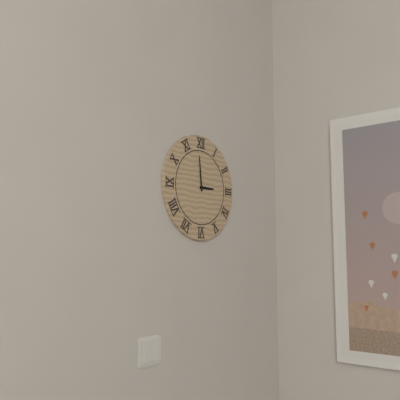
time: **2:59**
